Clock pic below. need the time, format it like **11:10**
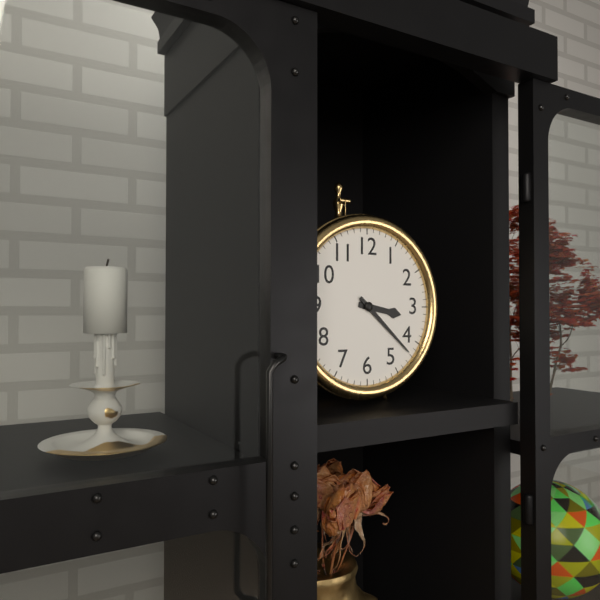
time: **3:22**
